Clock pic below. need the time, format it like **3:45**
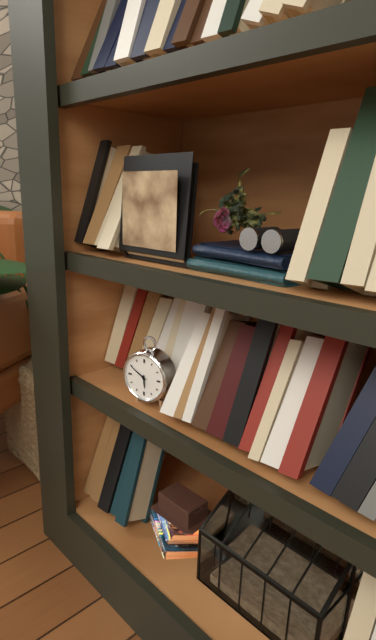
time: **5:50**
